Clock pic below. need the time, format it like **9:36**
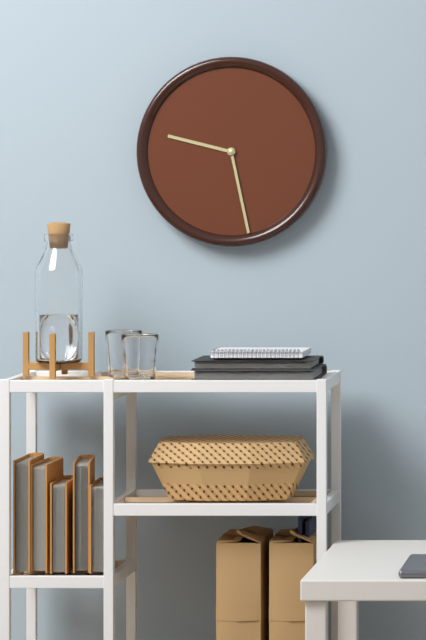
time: **9:28**
